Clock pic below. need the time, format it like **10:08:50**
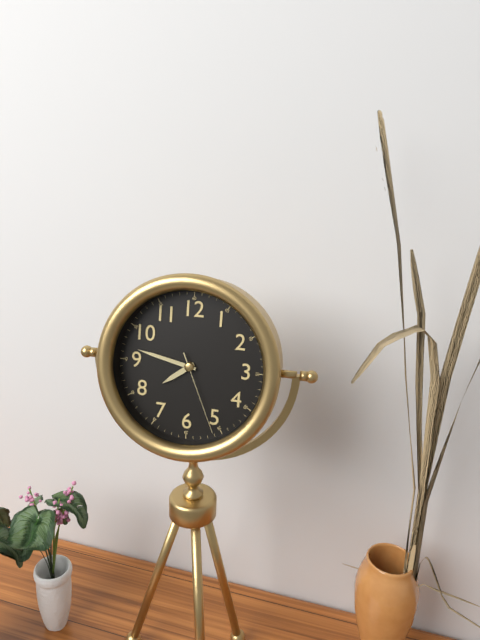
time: **7:47:26**
